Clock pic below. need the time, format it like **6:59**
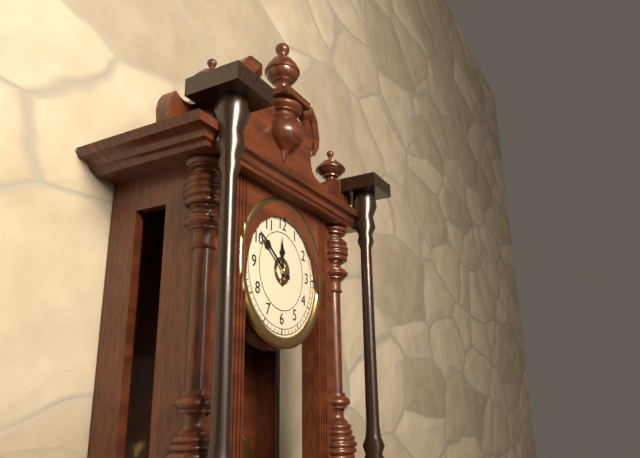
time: **11:51**
